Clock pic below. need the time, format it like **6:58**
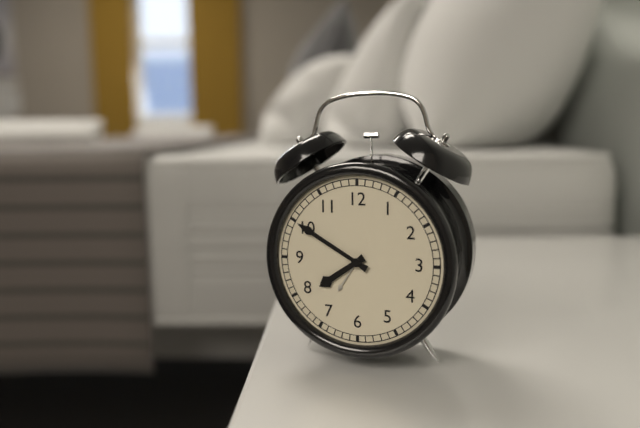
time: **7:50**
